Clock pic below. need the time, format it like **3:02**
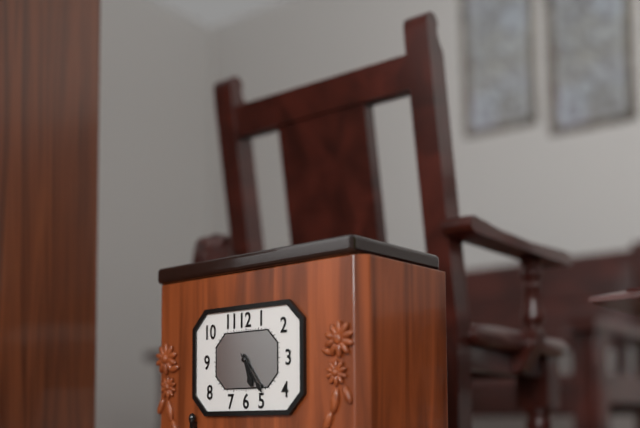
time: **5:24**
